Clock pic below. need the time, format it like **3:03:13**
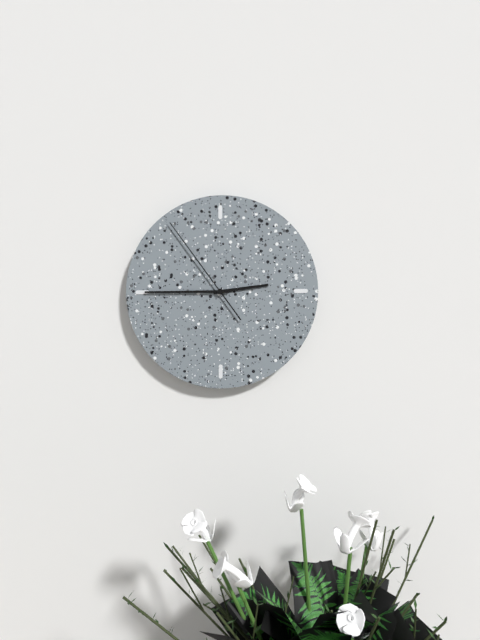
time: **2:45:54**
